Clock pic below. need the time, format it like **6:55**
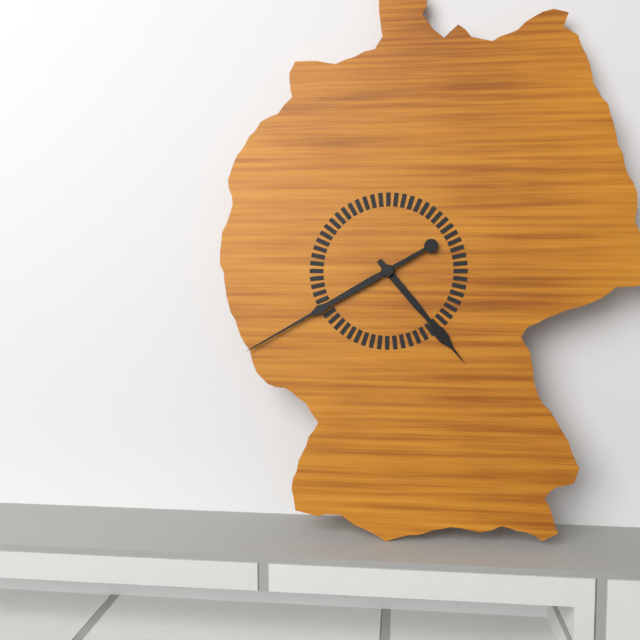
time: **4:40**
